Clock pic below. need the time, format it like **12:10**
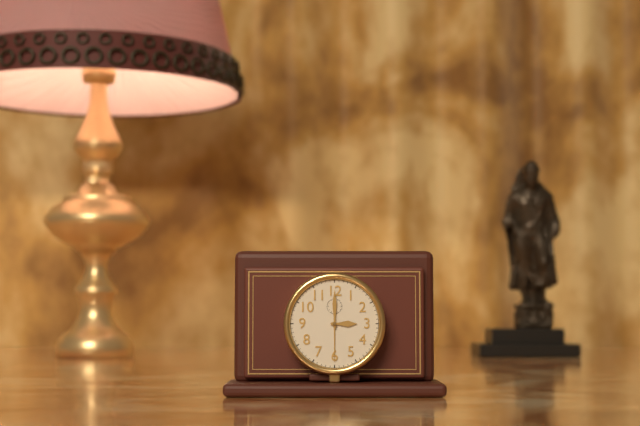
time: **3:00**
